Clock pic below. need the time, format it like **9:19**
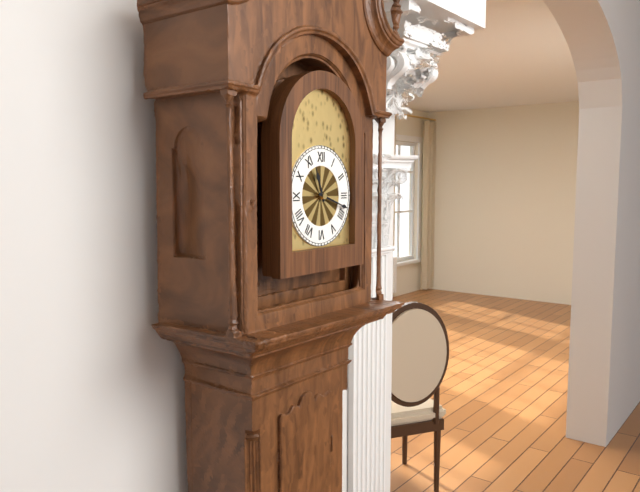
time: **11:18**
